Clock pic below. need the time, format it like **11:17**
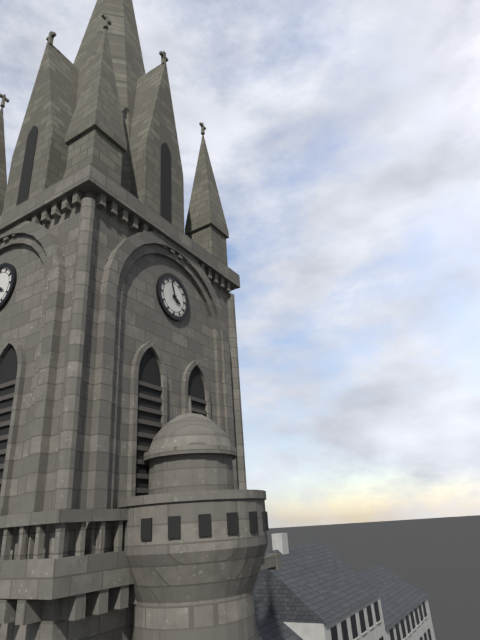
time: **3:57**
